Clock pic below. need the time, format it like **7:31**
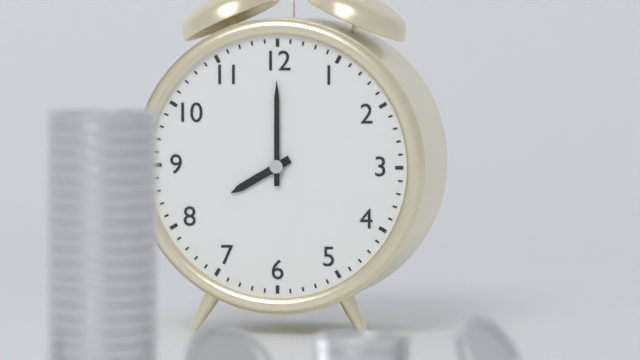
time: **8:00**
